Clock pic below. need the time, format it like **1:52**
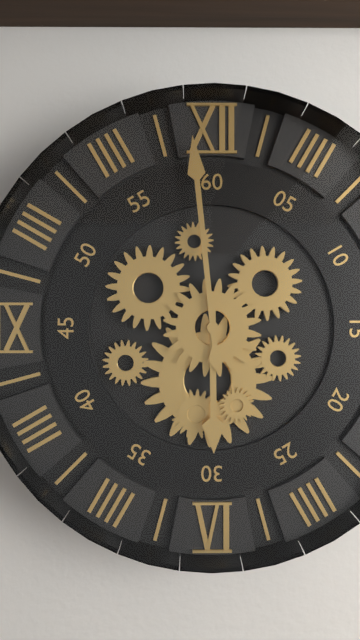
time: **5:59**
